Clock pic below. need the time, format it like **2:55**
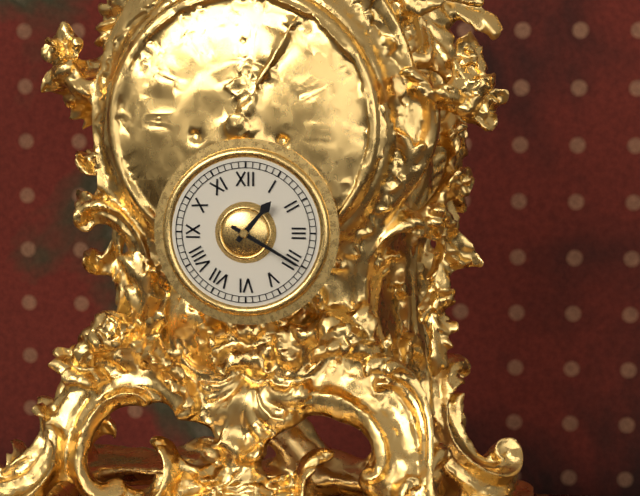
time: **1:20**
